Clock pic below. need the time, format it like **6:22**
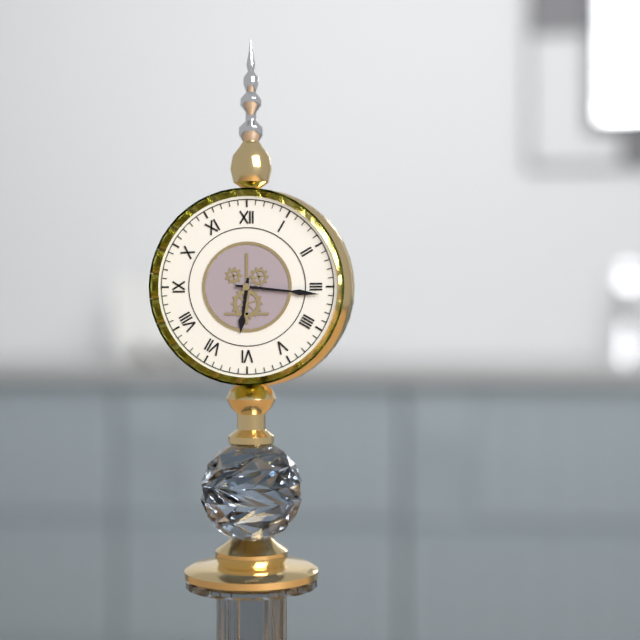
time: **6:16**
